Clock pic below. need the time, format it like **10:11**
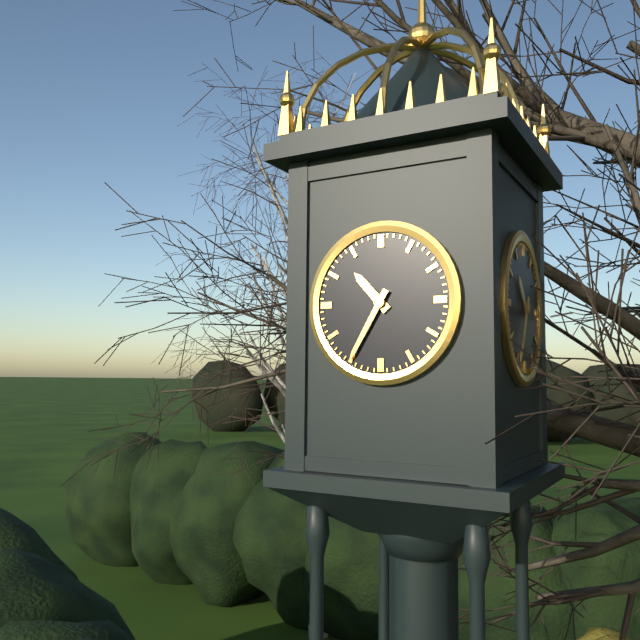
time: **10:35**
